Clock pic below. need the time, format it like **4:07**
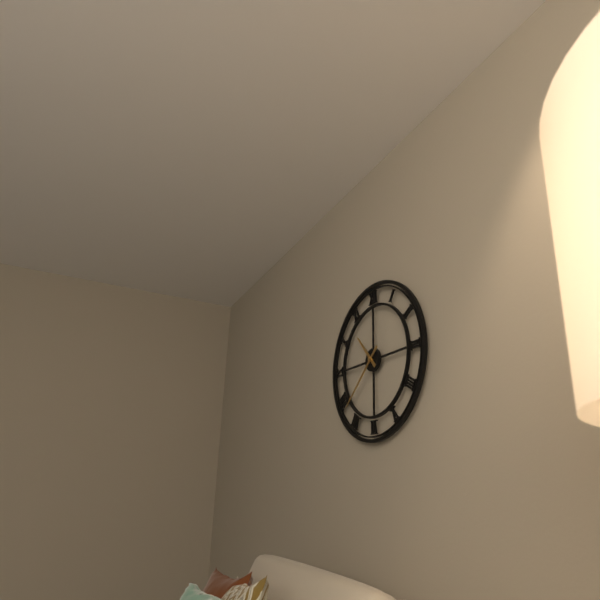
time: **10:38**
